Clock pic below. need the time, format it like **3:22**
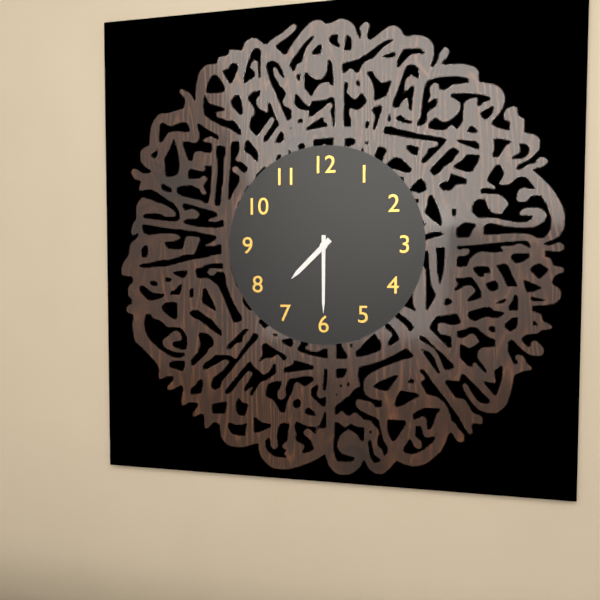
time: **7:30**
